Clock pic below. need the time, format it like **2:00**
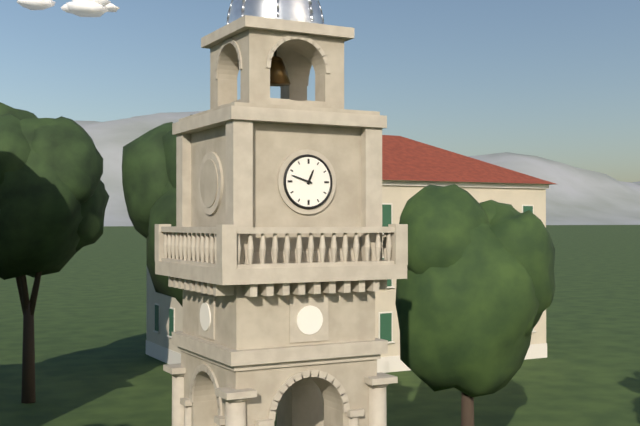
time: **12:48**
